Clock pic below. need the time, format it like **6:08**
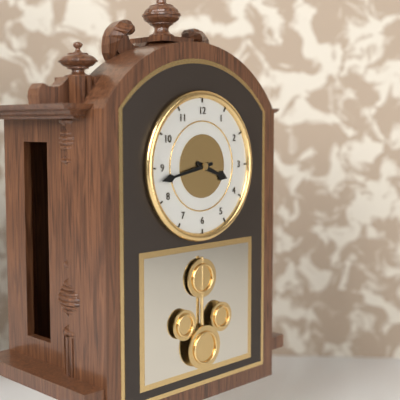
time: **3:43**
